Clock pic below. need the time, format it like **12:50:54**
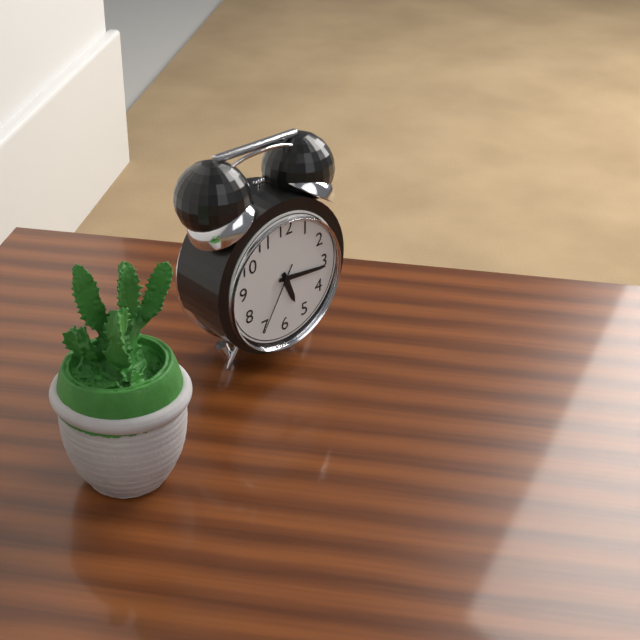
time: **5:16:35**
